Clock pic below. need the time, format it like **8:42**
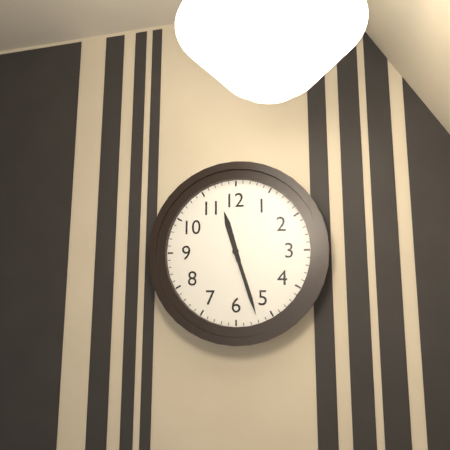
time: **11:27**
